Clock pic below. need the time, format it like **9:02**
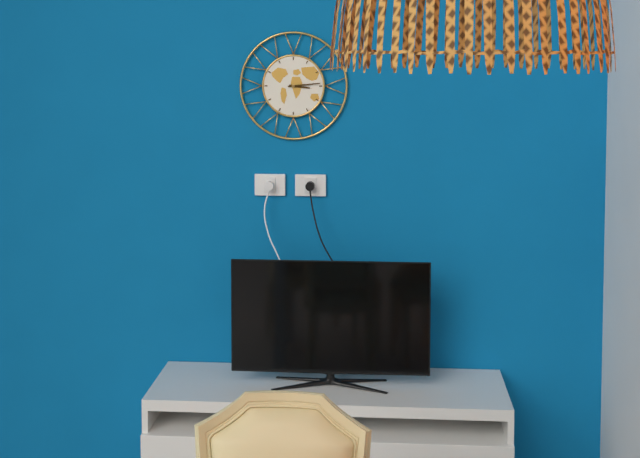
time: **3:14**
